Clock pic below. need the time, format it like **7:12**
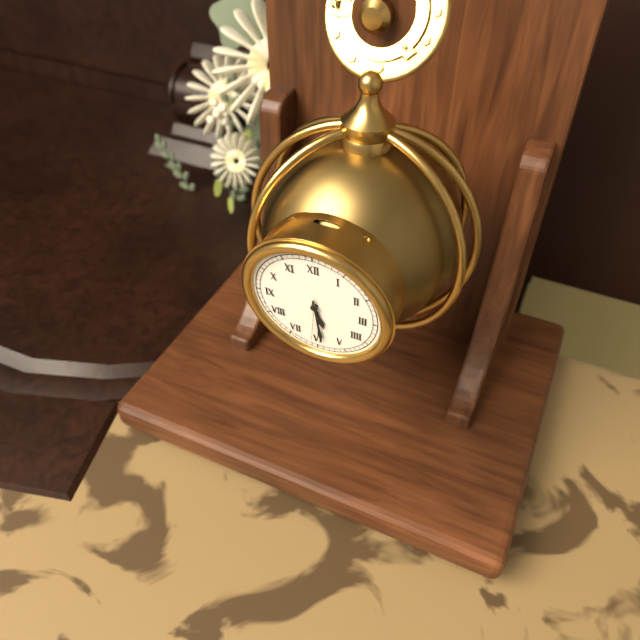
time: **5:29**
